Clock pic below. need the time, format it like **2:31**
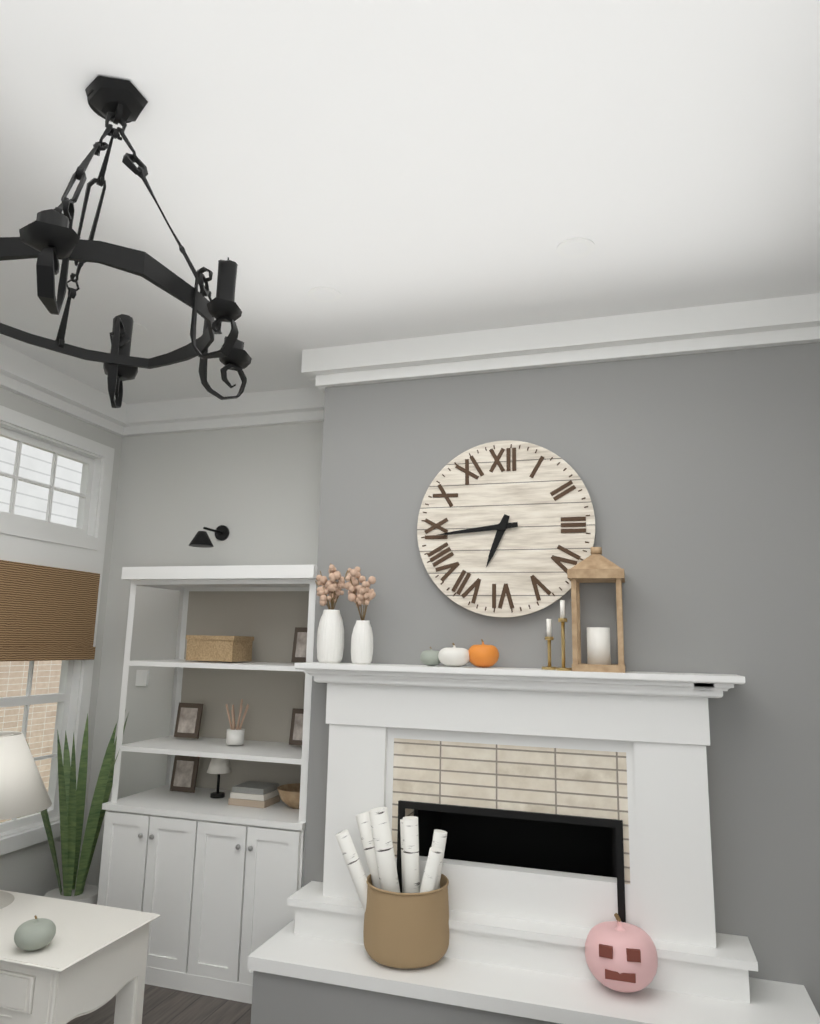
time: **6:44**
